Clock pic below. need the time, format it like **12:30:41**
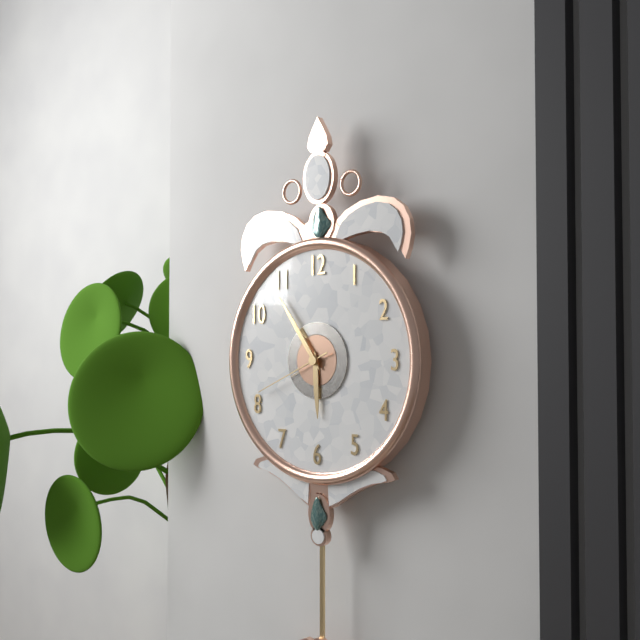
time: **5:54:41**
